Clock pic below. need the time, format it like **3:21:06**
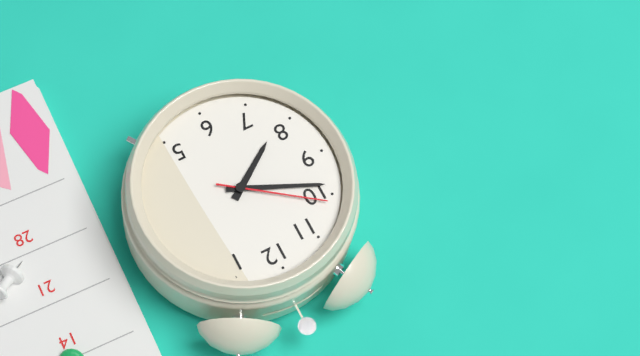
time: **7:49:51**
